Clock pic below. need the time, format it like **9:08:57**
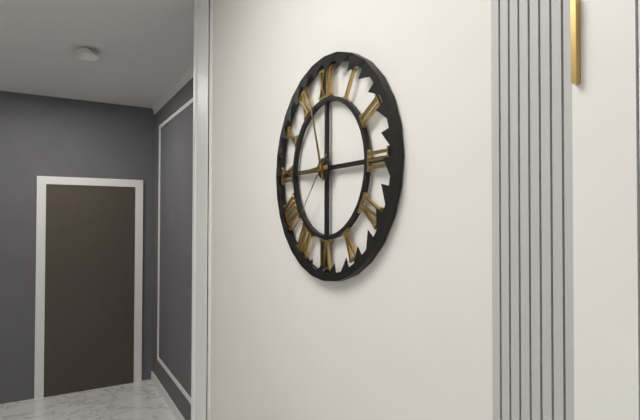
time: **8:57:37**
